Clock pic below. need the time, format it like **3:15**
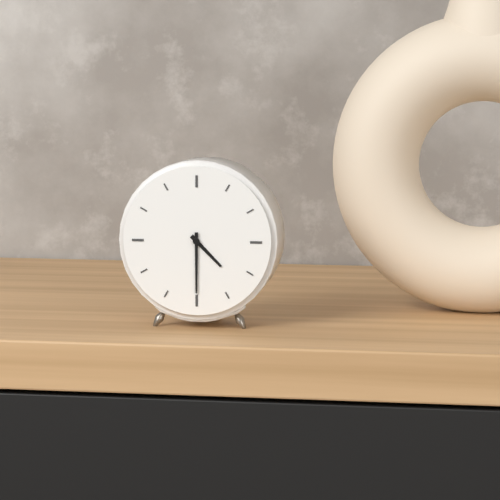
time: **4:30**
